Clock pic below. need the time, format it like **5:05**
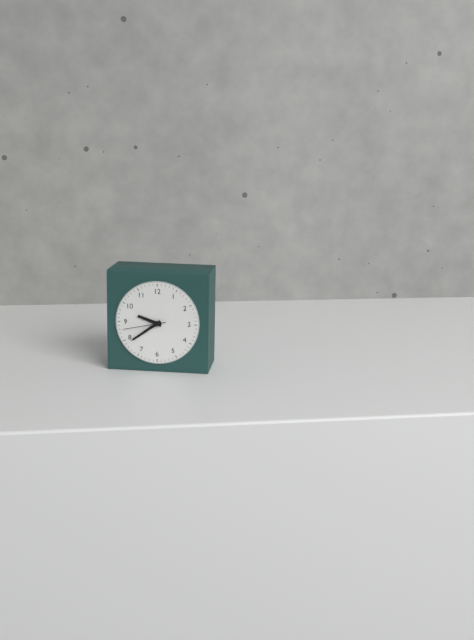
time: **9:39**
